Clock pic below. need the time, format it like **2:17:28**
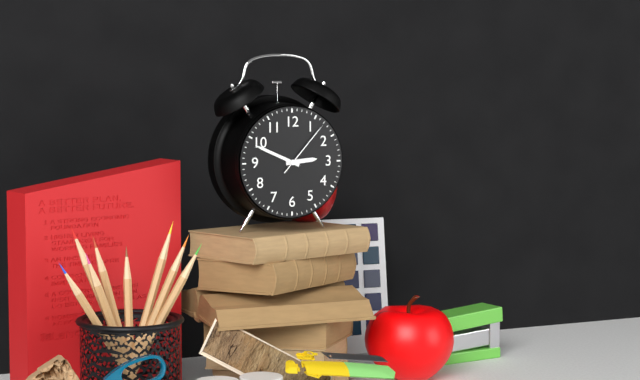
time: **2:49:07**
